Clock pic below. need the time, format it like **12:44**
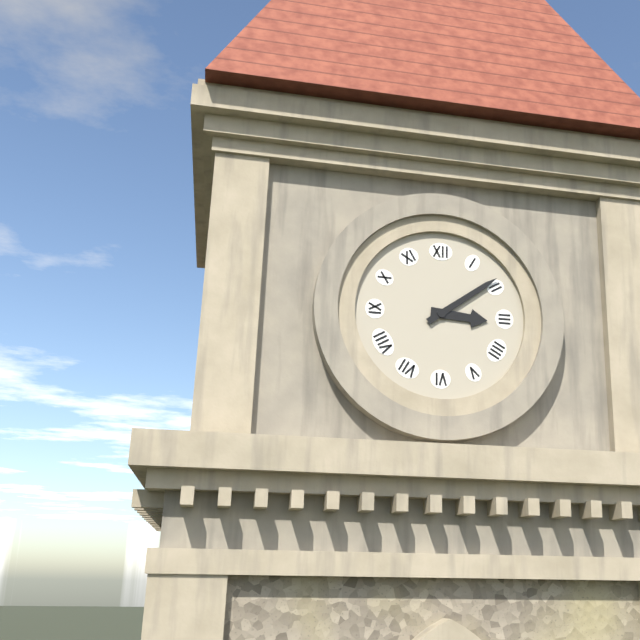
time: **3:09**
